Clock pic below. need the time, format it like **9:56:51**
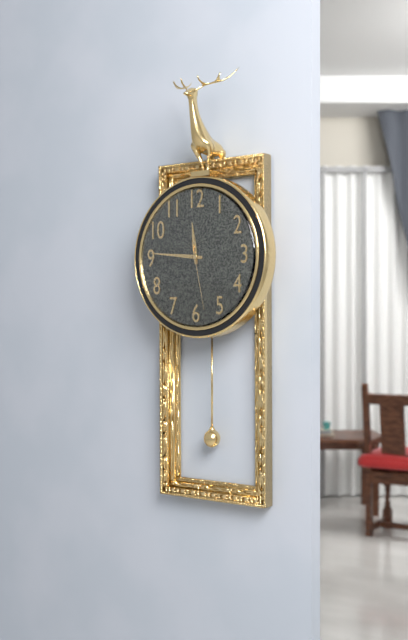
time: **11:46:28**
